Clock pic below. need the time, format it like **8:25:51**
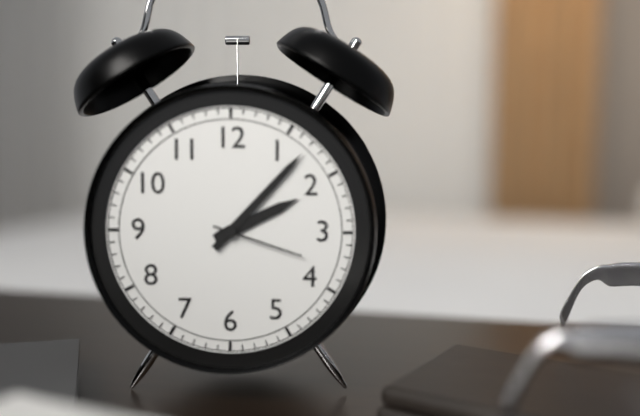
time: **2:07:18**
